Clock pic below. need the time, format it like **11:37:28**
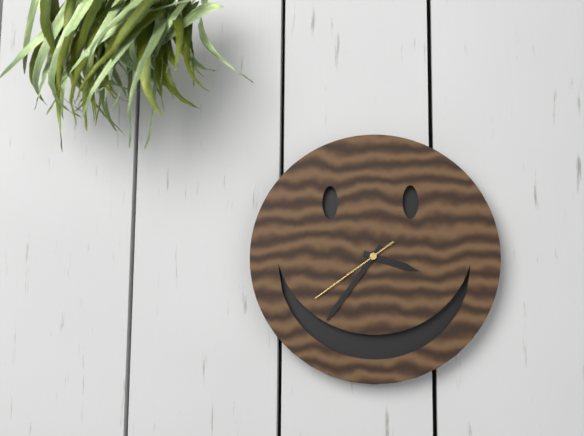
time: **3:36:39**
